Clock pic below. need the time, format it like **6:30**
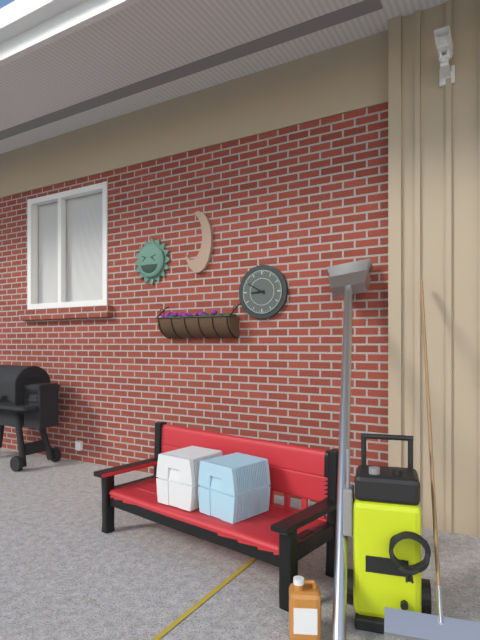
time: **8:50**
